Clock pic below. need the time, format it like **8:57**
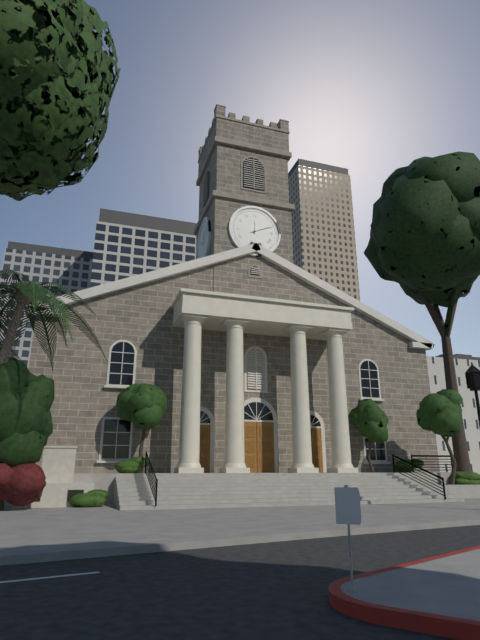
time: **12:11**
